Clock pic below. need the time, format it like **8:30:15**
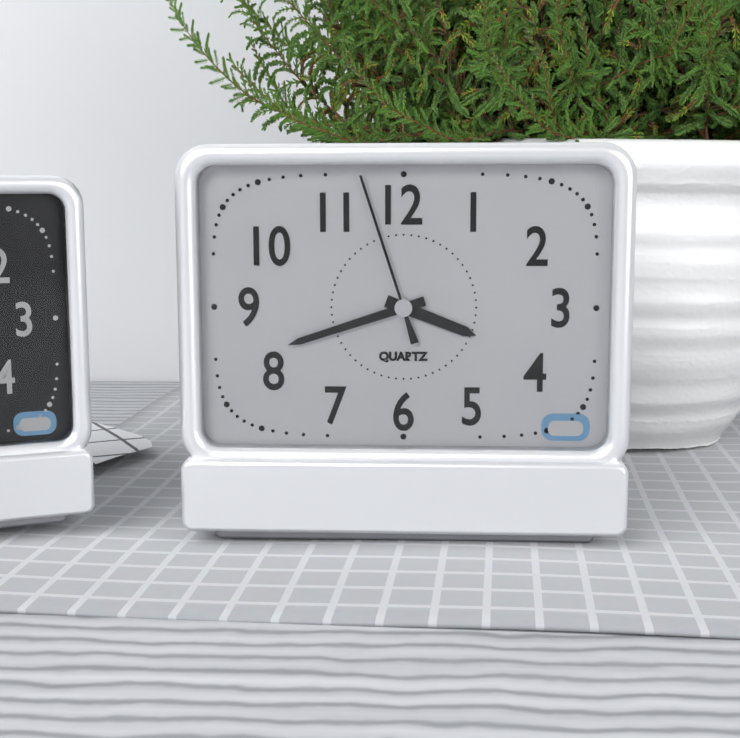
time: **3:42:57**
